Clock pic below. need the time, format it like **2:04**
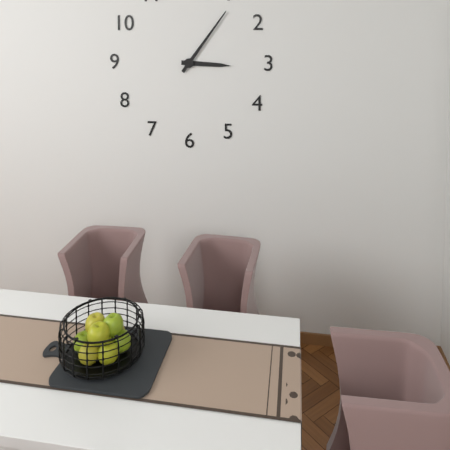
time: **3:06**
